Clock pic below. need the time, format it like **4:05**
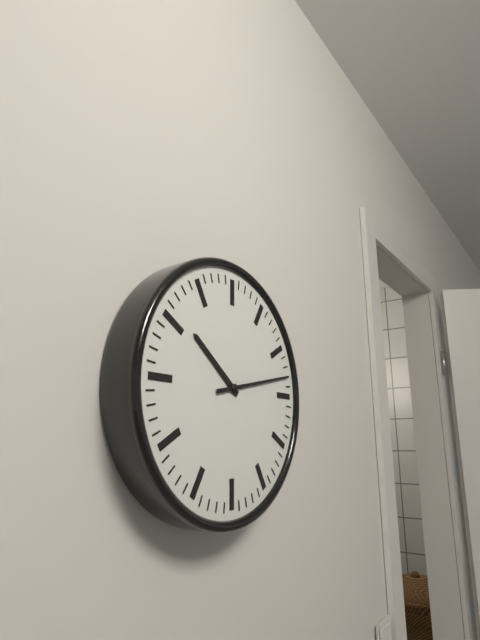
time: **10:13**
